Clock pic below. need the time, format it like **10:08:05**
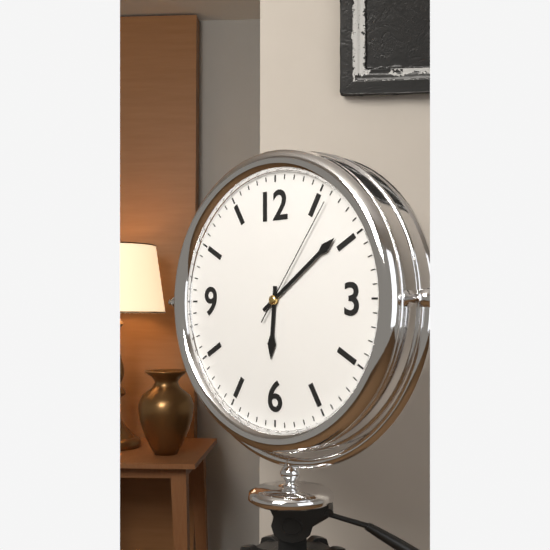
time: **6:09:06**
